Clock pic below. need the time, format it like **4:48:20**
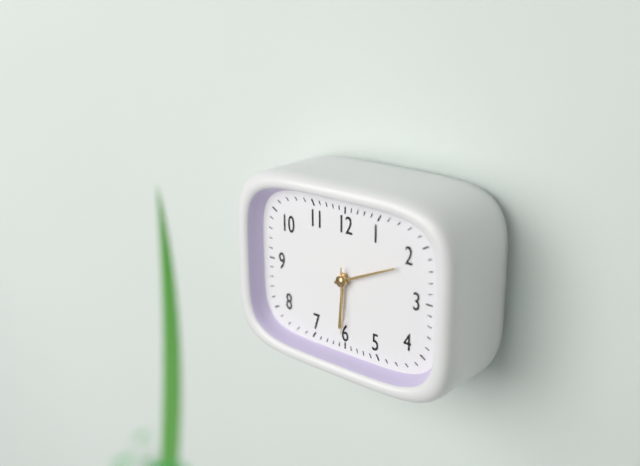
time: **6:11:30**
